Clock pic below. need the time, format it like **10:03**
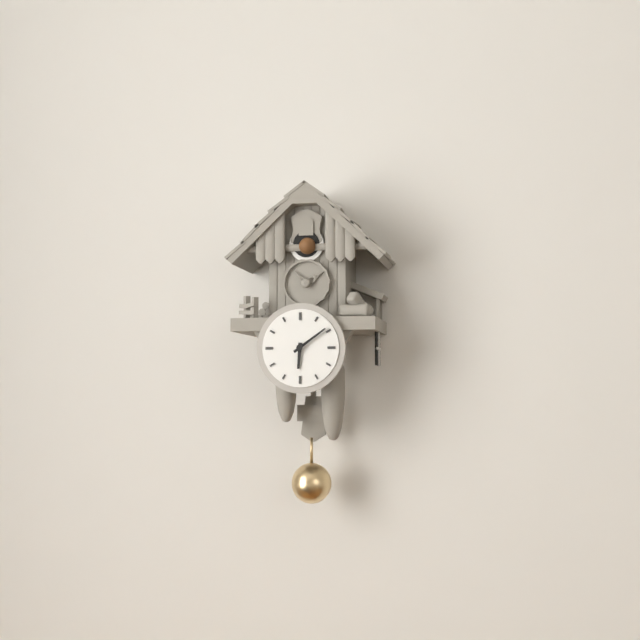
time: **6:09**
